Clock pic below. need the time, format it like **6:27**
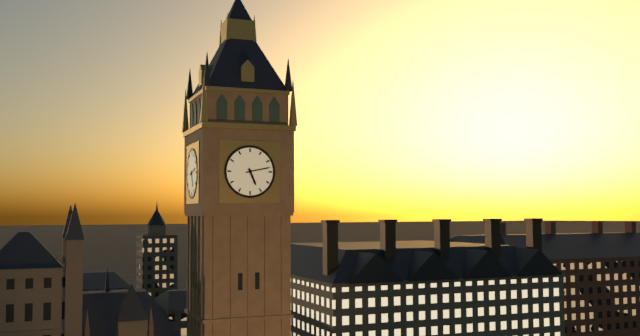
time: **5:13**
